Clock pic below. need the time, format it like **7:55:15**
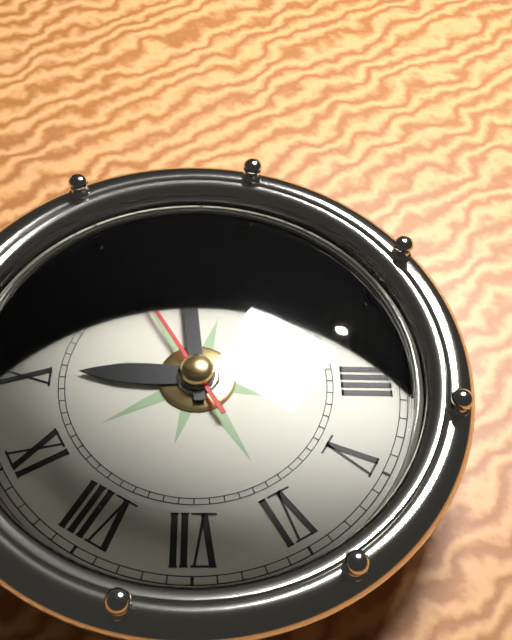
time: **10:04:00**
